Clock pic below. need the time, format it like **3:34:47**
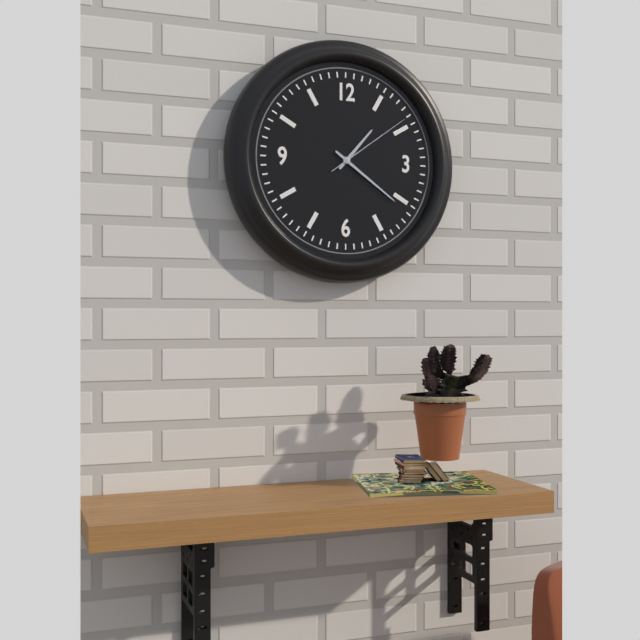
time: **1:21:09**
